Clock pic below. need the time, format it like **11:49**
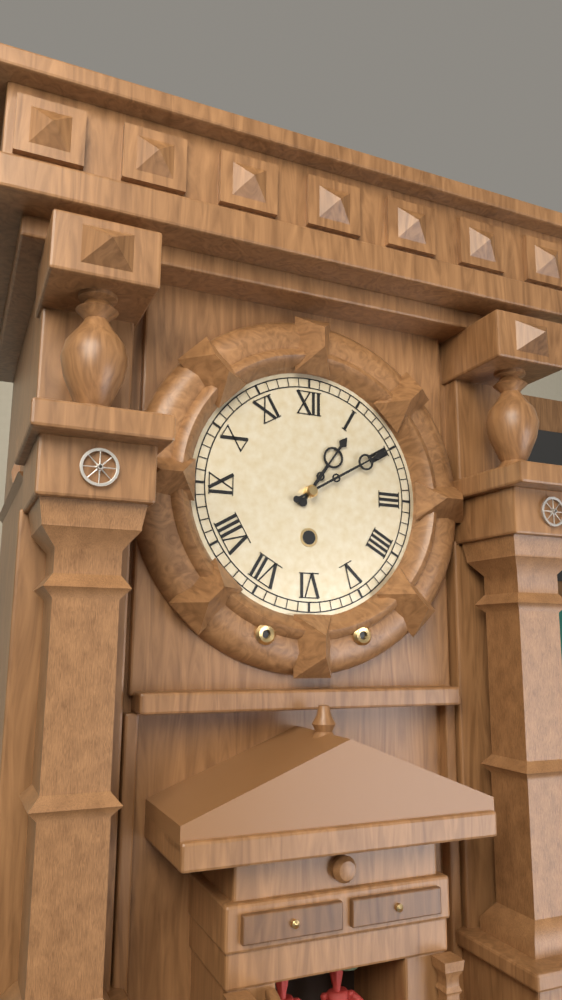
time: **1:10**
